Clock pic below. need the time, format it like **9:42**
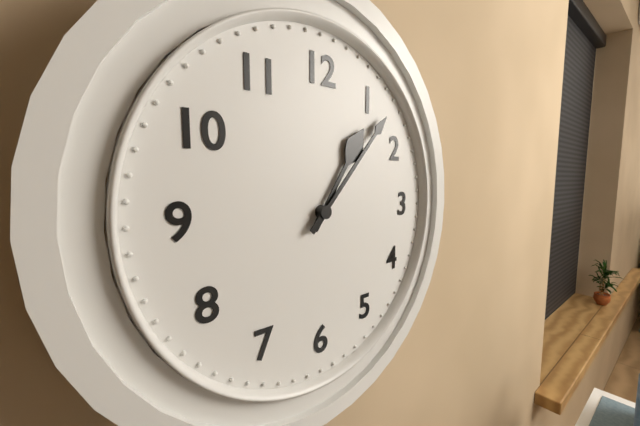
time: **1:07**
